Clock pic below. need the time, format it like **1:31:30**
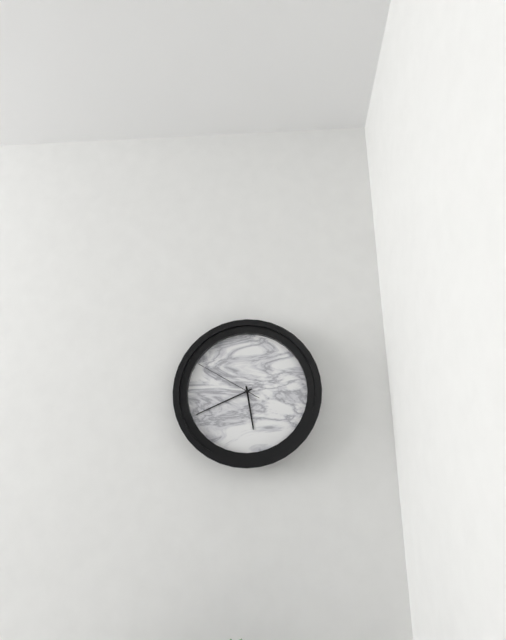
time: **5:41:50**
